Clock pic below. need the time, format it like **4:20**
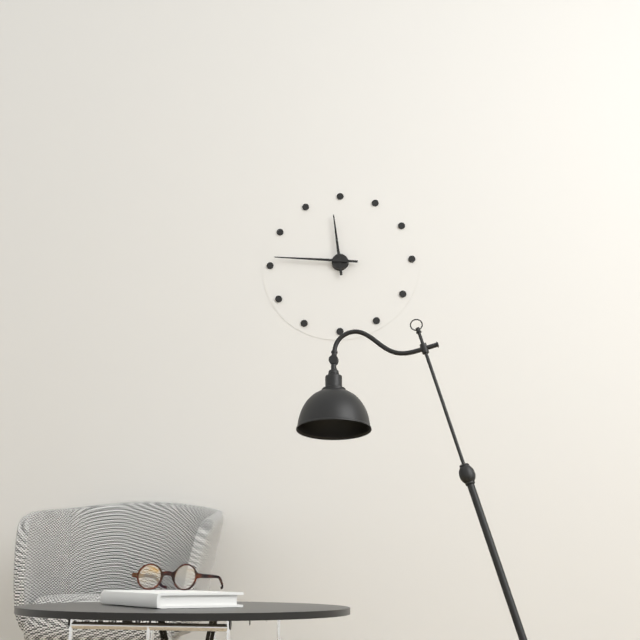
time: **11:46**
